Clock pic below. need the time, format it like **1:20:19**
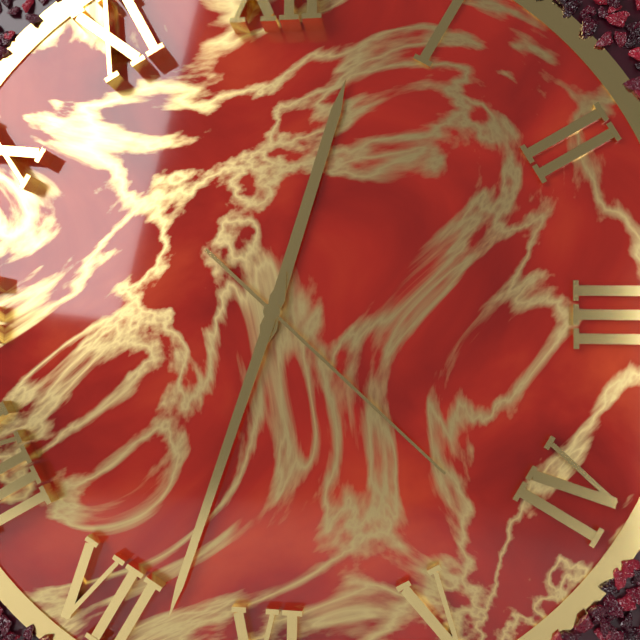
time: **12:33:22**
